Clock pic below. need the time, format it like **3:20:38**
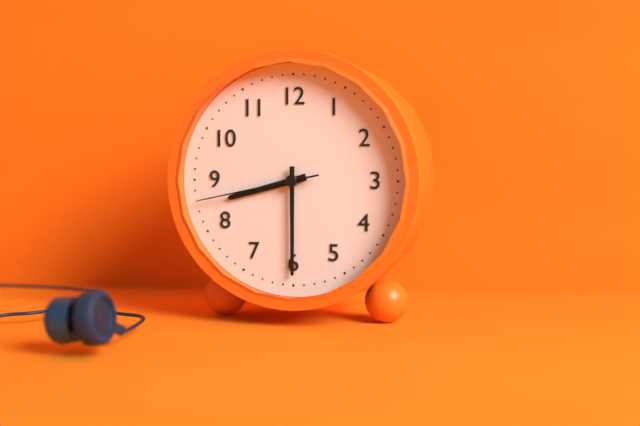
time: **8:30:43**
